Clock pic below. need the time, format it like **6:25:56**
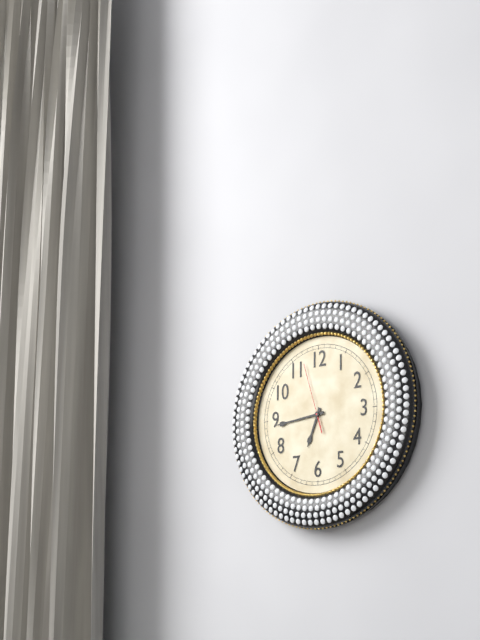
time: **6:44:57**
